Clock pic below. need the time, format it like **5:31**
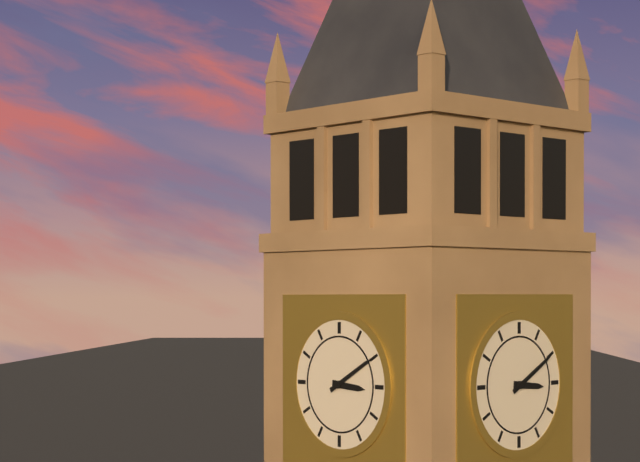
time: **3:10**
